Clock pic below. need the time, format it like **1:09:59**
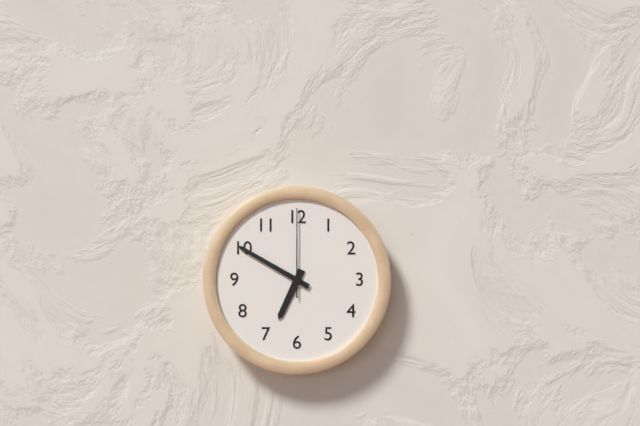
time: **6:50:00**
